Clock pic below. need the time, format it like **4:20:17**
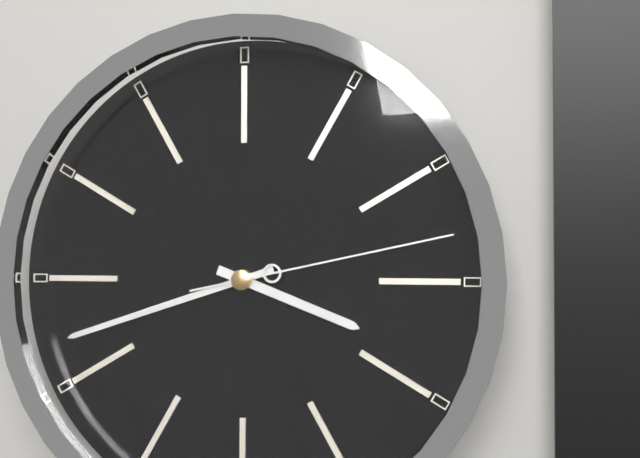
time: **3:42:13**
